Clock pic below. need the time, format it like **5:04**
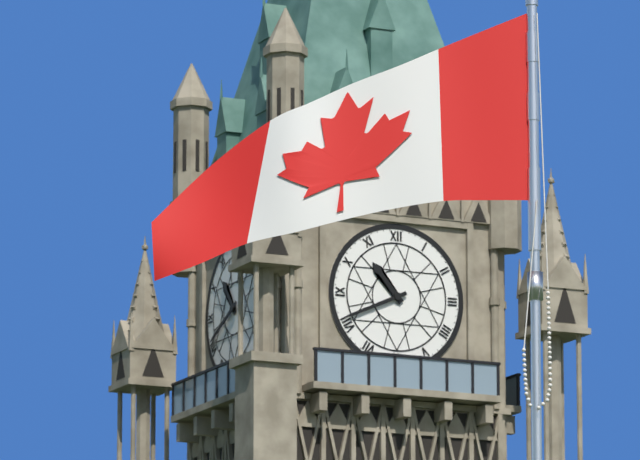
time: **10:41**
